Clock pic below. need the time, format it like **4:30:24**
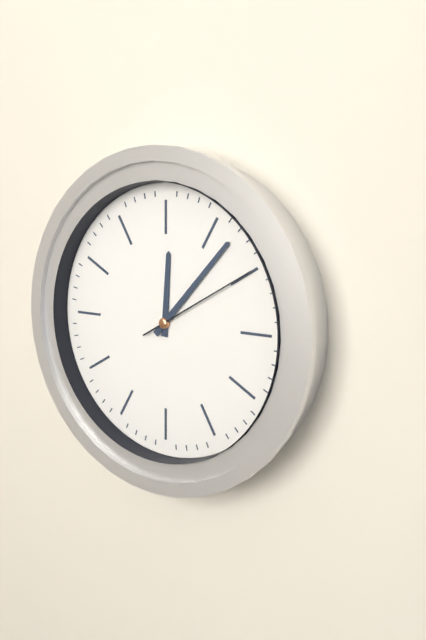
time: **12:07:10**
